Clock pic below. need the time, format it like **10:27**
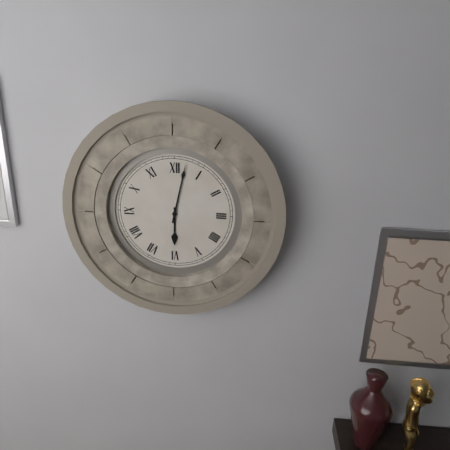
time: **6:02**
